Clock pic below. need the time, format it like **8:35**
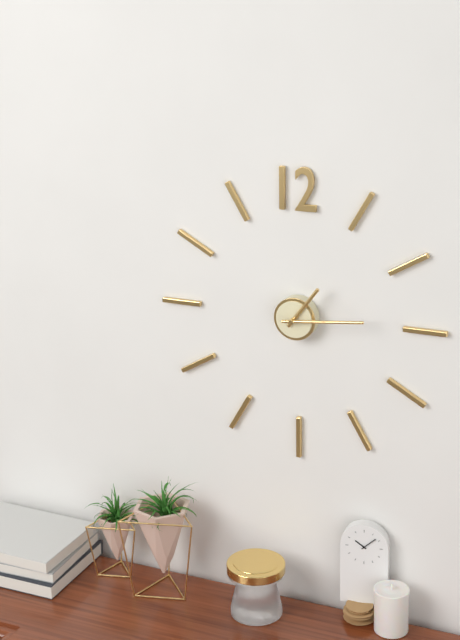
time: **1:14**
